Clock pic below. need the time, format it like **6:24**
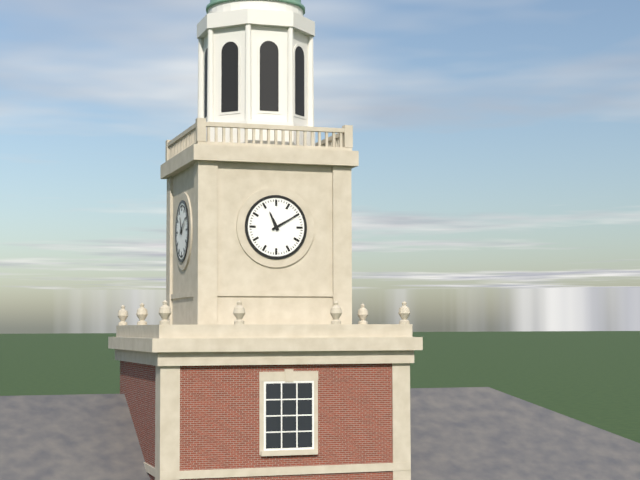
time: **11:10**
